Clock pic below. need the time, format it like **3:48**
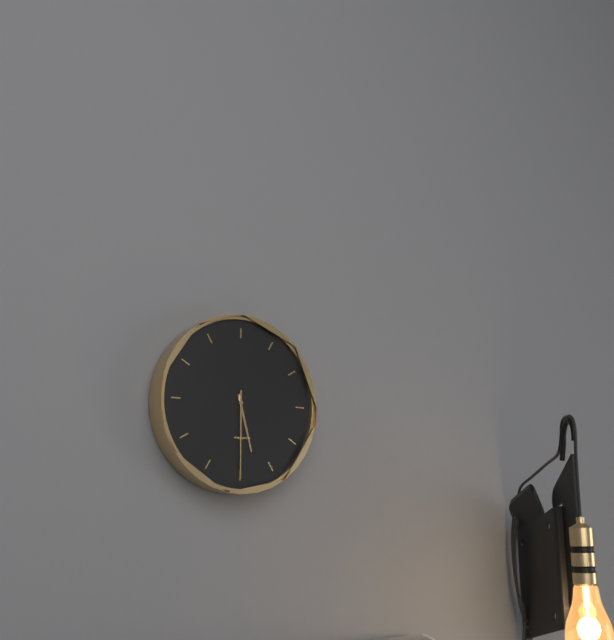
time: **5:30**
